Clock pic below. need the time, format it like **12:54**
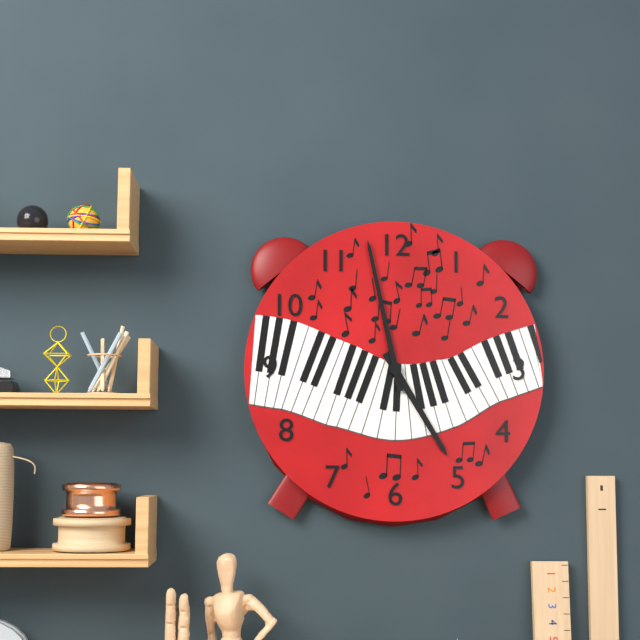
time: **4:58**
